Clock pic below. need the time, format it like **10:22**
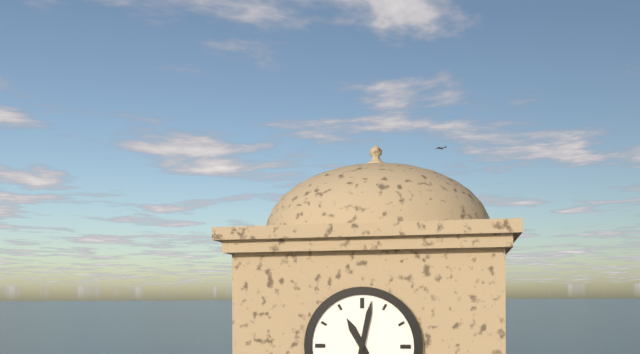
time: **11:02**
